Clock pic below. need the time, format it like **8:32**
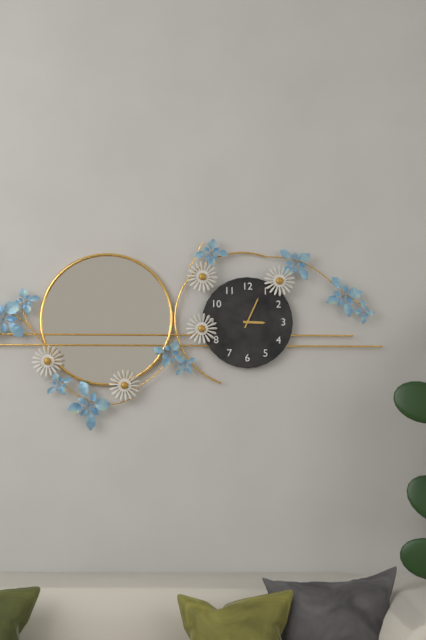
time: **3:04**
